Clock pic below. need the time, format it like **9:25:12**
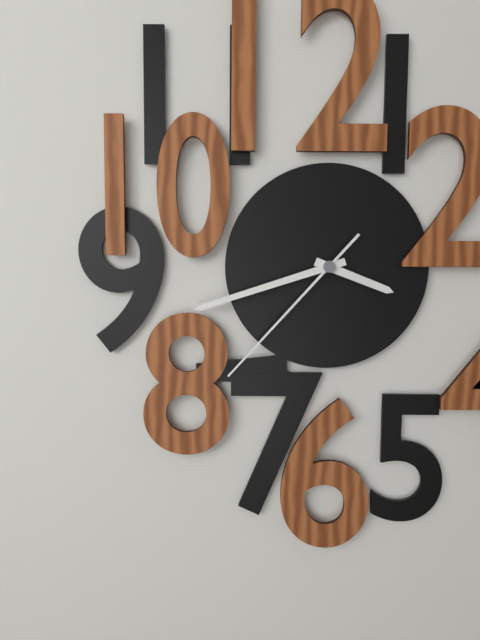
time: **3:42:37**
